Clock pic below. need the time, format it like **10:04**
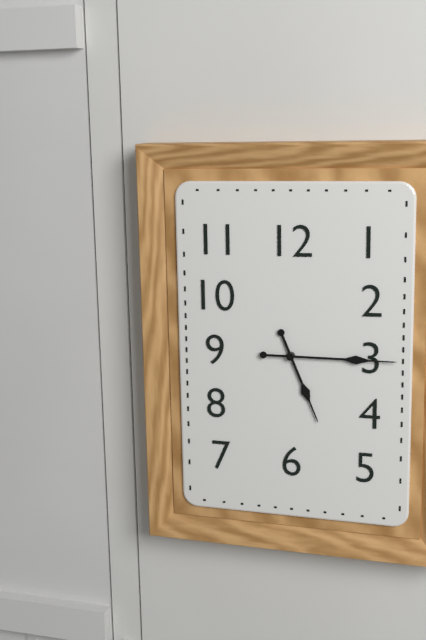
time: **5:15**
